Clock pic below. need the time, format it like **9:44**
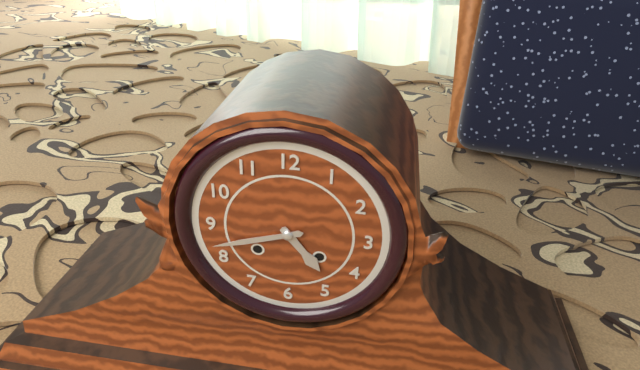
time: **4:42**
